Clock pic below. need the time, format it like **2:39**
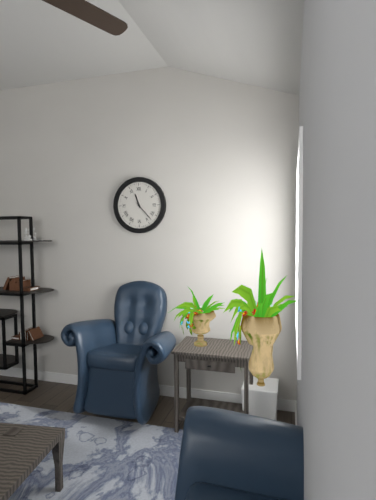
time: **11:23**
